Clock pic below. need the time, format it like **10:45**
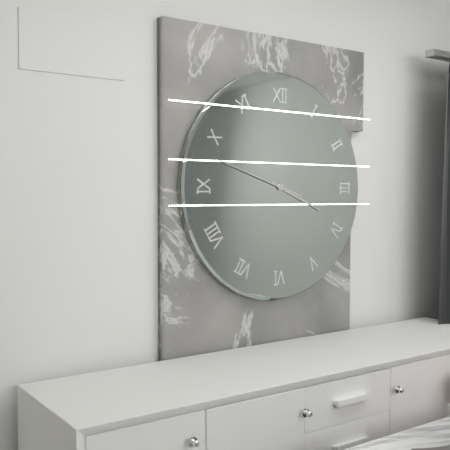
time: **3:48**
